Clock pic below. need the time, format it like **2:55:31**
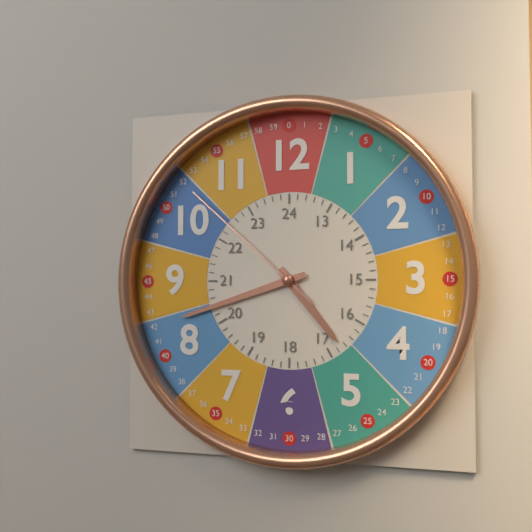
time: **4:42:52**
